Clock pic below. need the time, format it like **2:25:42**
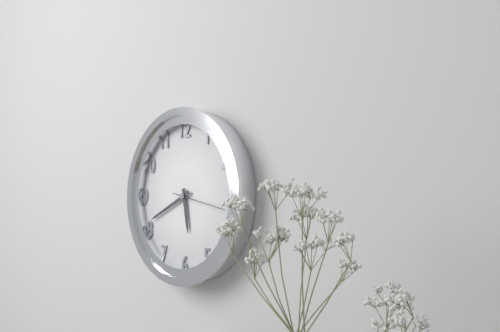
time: **5:41:17**
